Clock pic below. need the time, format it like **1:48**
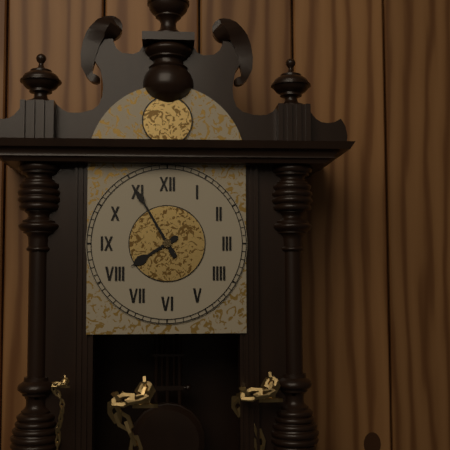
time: **7:55**
